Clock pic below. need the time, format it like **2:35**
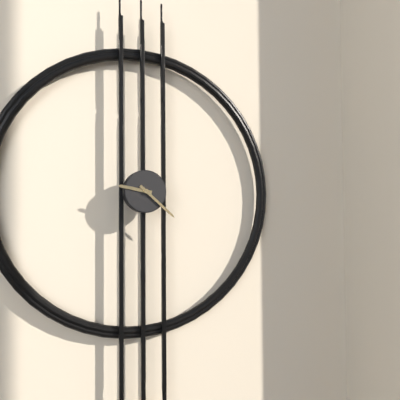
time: **9:22**
